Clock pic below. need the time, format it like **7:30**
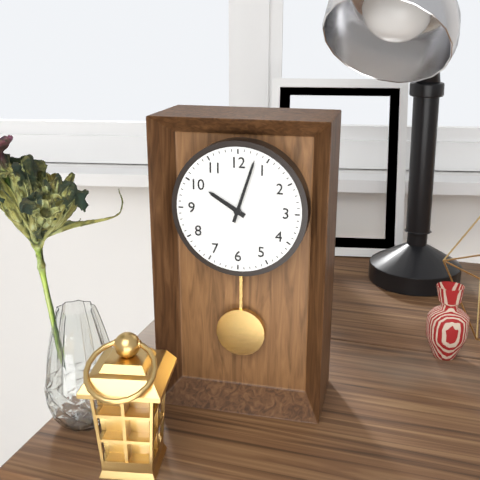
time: **10:03**
